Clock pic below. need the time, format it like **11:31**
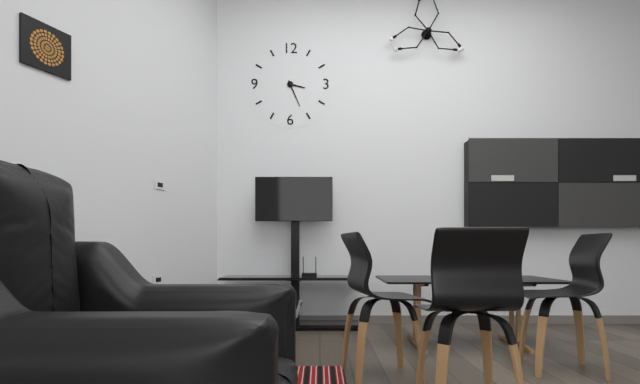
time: **3:26**
